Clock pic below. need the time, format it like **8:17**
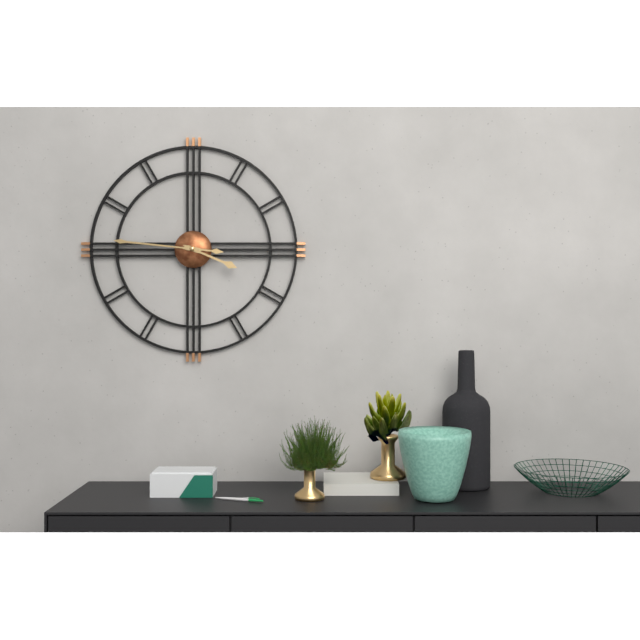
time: **3:46**
